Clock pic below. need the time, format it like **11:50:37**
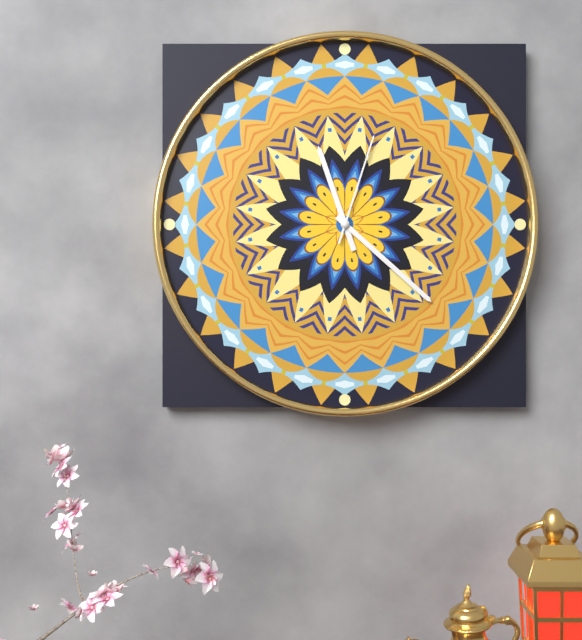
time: **11:22:03**
